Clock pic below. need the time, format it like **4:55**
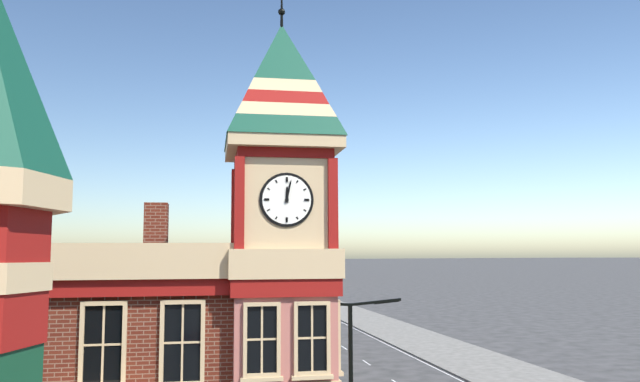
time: **12:02**
